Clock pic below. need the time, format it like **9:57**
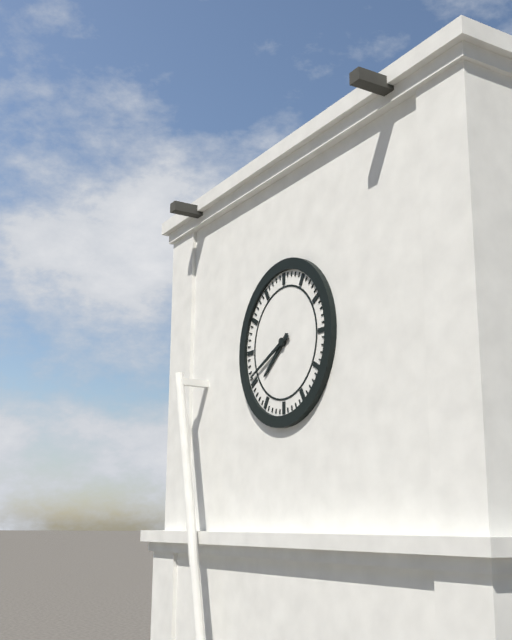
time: **7:41**
